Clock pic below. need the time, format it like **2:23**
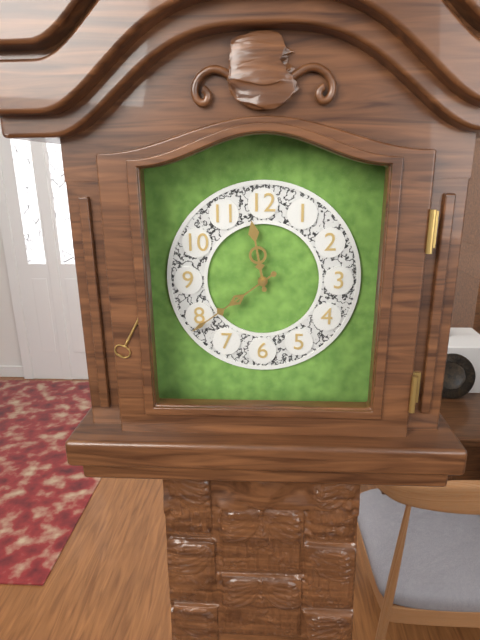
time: **11:39**
